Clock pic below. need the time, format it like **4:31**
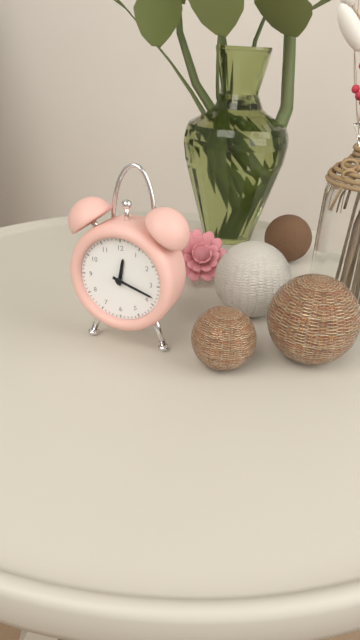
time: **12:18**
